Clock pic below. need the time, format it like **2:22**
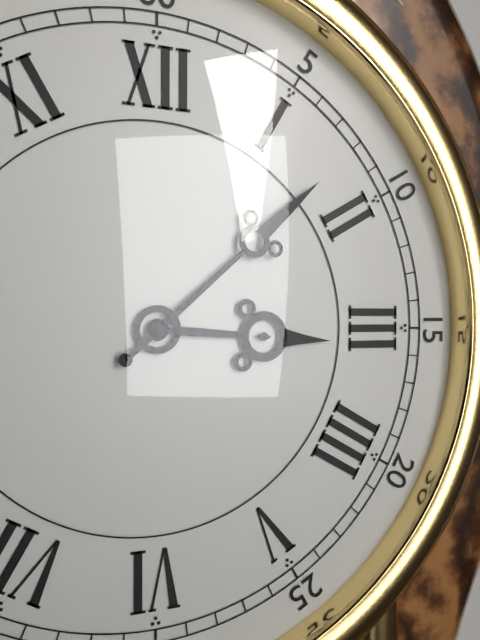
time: **3:08**
